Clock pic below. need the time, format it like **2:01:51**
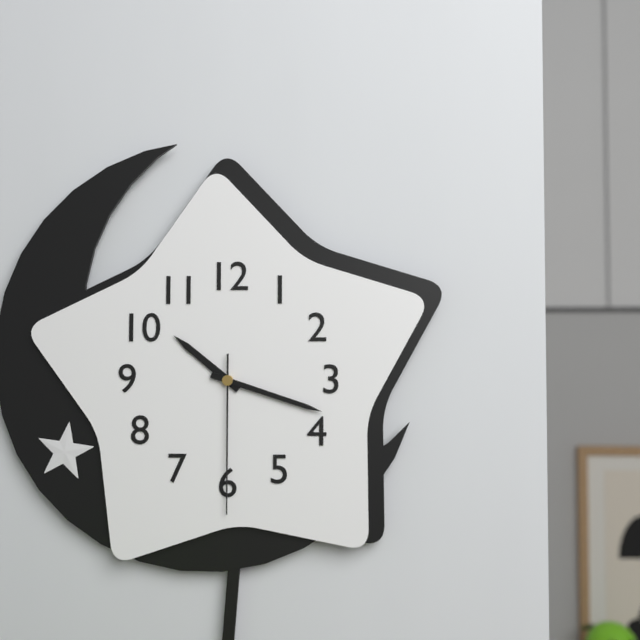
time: **10:18:30**
